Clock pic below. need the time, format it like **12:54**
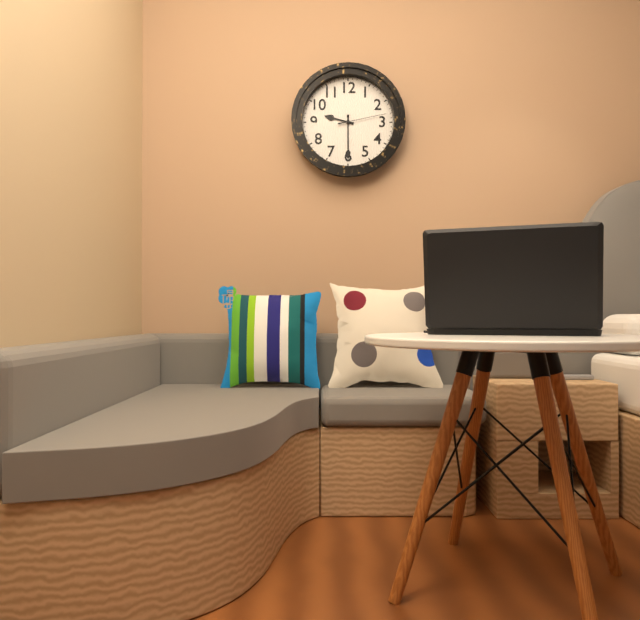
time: **9:30**
